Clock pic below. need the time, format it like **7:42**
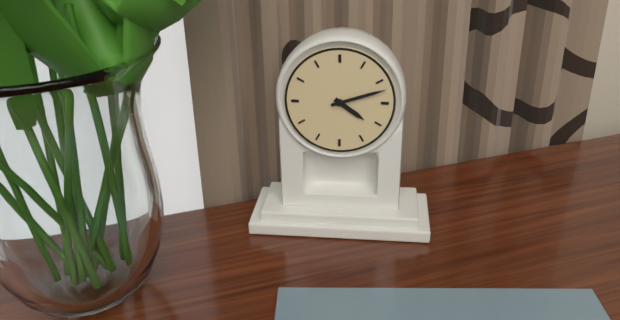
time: **4:12**
